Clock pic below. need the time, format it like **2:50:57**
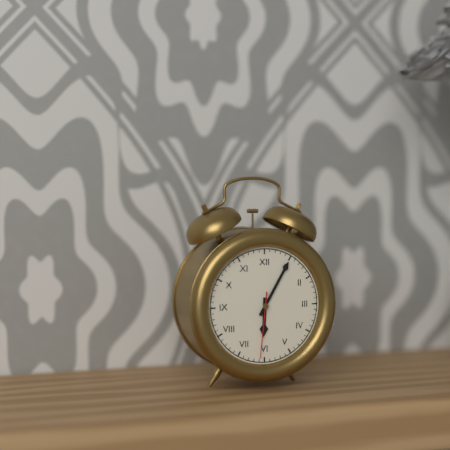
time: **6:05:31**
